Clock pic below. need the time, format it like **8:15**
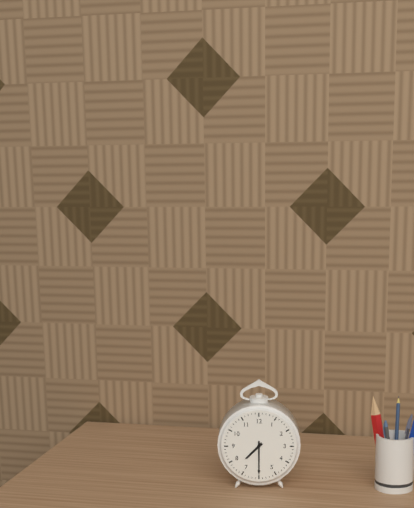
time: **7:30**
